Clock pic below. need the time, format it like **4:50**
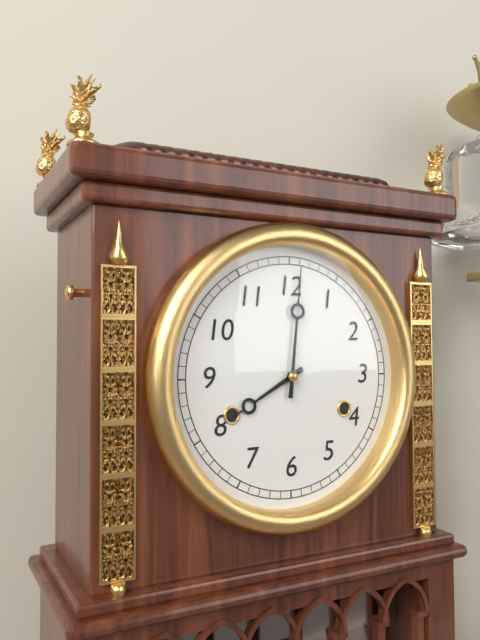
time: **8:01**
